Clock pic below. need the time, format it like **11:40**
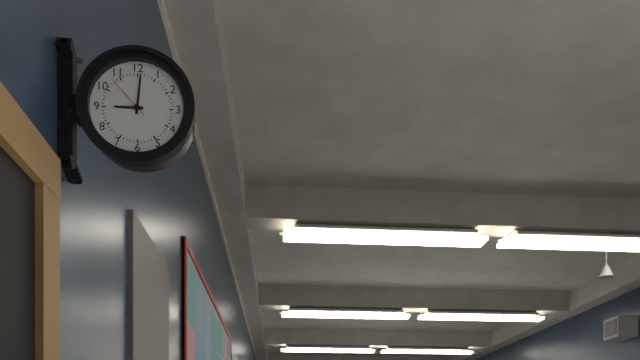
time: **9:01**
